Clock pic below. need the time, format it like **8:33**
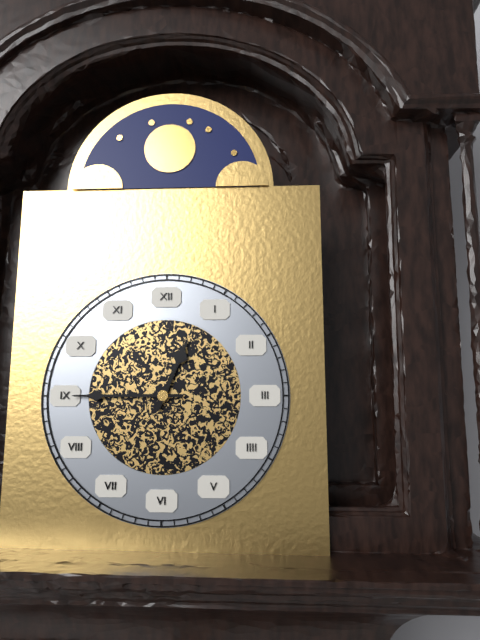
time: **12:45**
